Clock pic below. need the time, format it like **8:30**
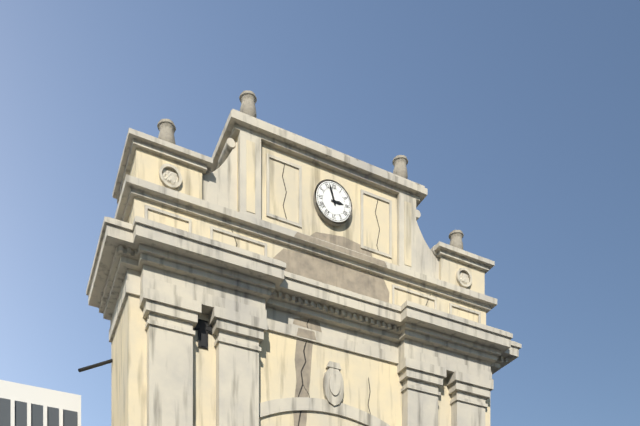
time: **2:57**
